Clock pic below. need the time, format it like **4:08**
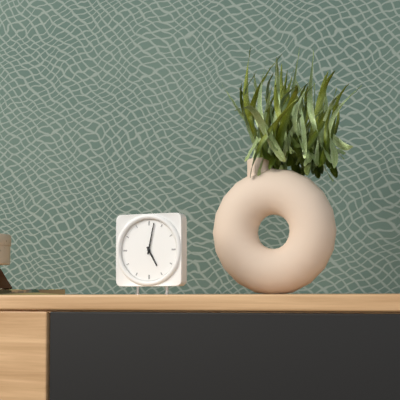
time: **5:02**
